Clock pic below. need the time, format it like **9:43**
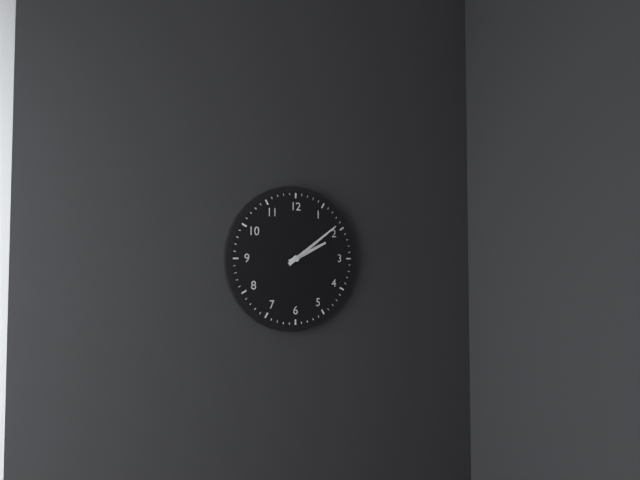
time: **2:09**
